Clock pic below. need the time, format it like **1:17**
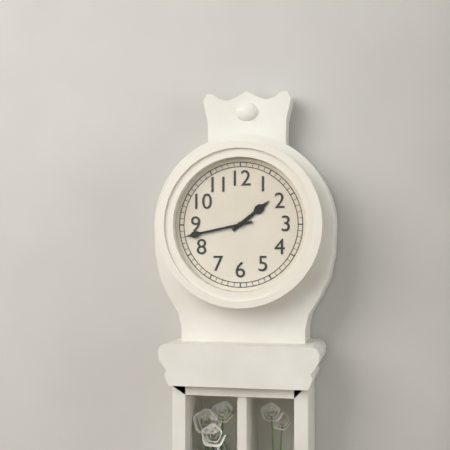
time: **1:43**
